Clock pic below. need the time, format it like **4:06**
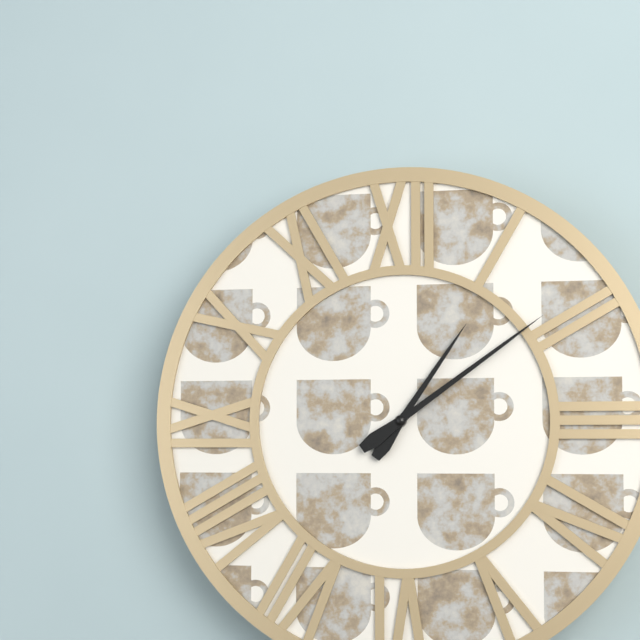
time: **1:09**
